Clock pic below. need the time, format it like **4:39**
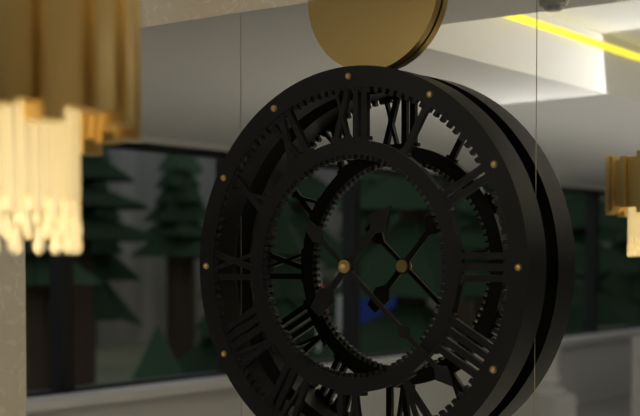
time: **1:22**
